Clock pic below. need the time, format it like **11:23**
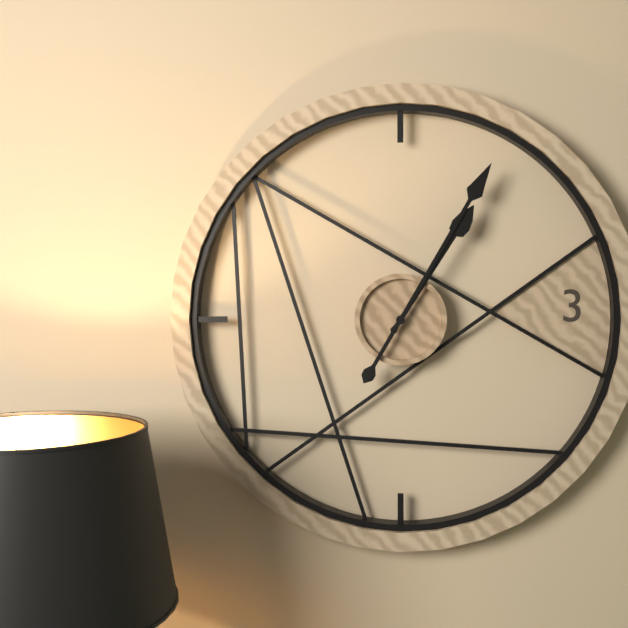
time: **1:05**
